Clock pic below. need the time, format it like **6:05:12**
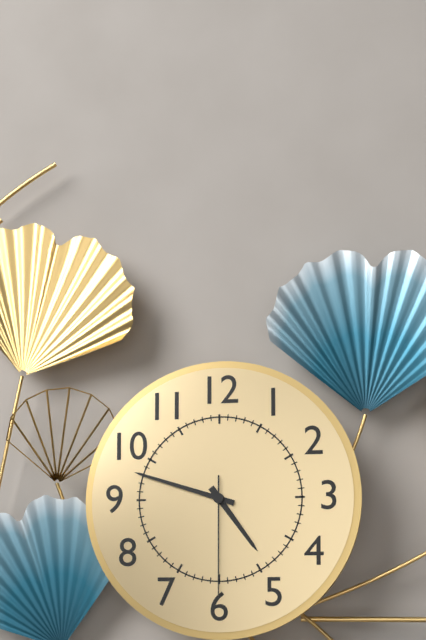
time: **4:48:30**
